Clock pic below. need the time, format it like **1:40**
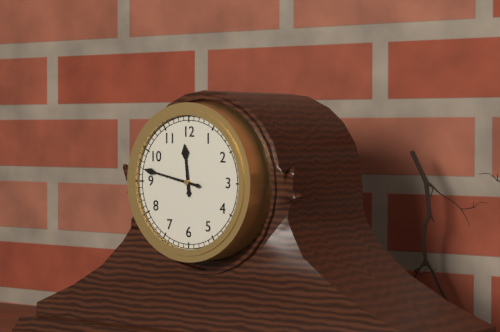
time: **11:47**
